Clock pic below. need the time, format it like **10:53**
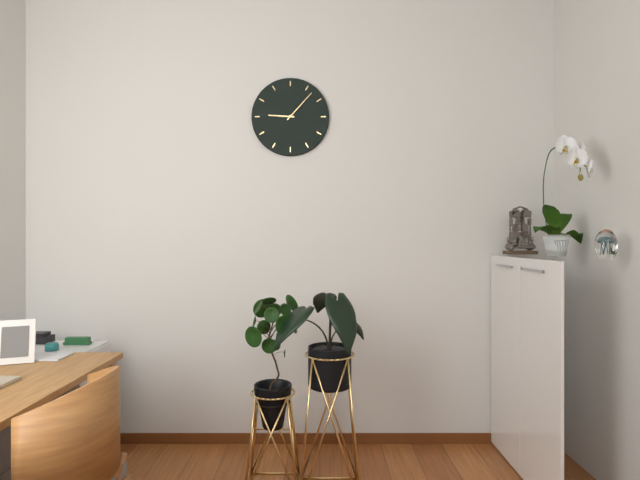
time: **9:07**
